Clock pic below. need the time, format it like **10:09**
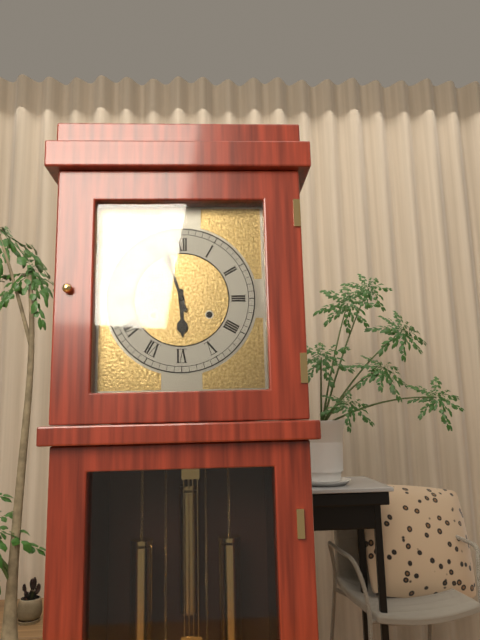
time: **5:57**
